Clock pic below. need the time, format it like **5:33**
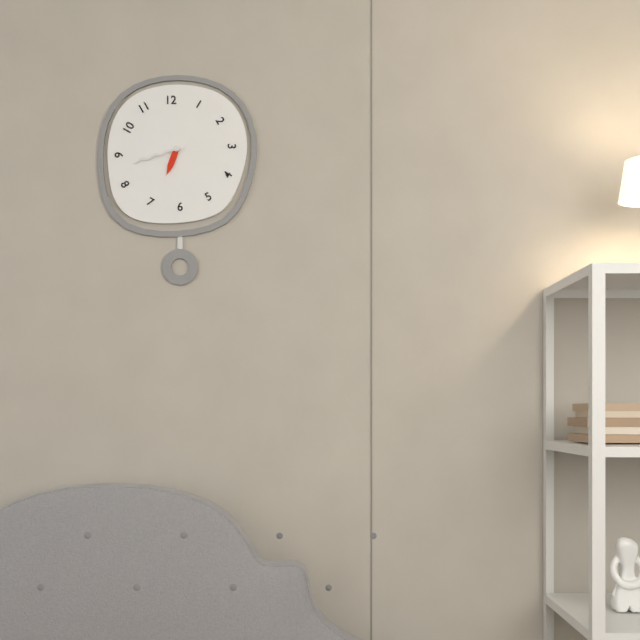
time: **6:42**
